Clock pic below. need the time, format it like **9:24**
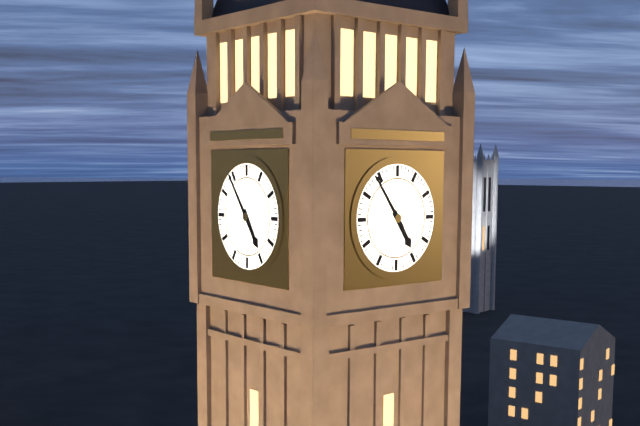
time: **4:54**
